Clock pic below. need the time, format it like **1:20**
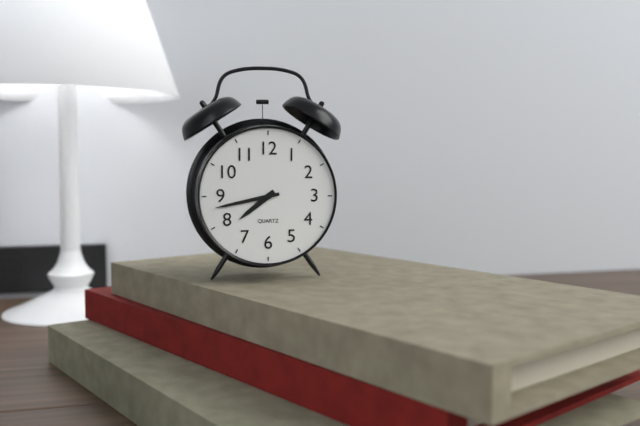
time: **7:43**
